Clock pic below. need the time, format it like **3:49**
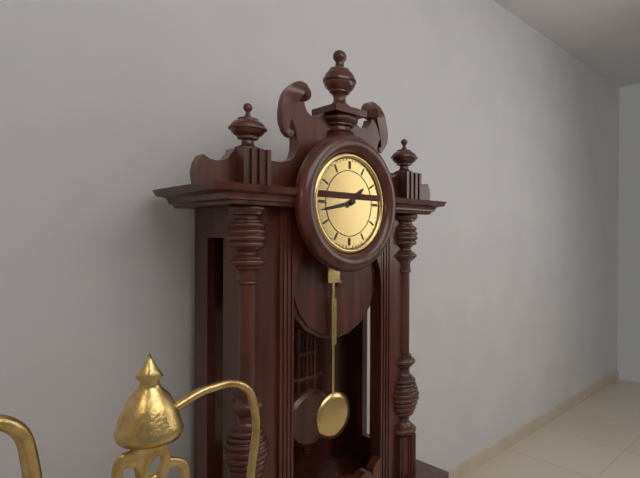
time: **1:43**
